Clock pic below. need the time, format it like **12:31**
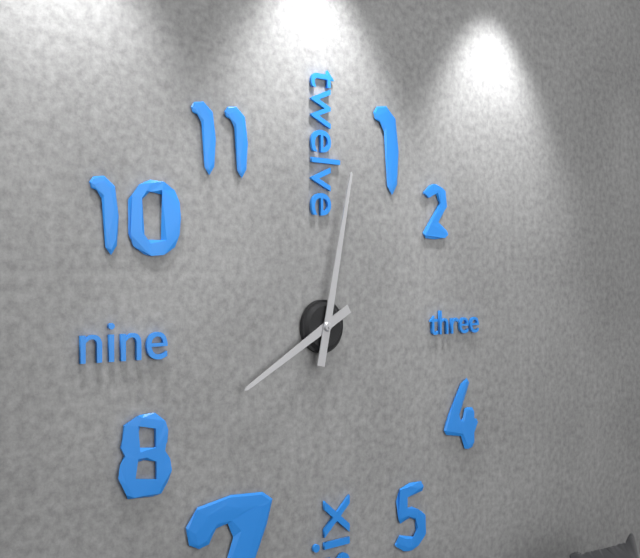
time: **8:02**
